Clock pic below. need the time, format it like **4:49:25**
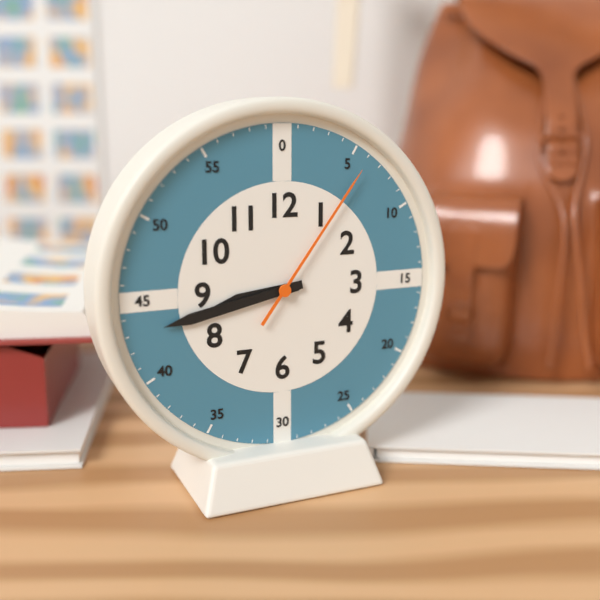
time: **8:43:06**
